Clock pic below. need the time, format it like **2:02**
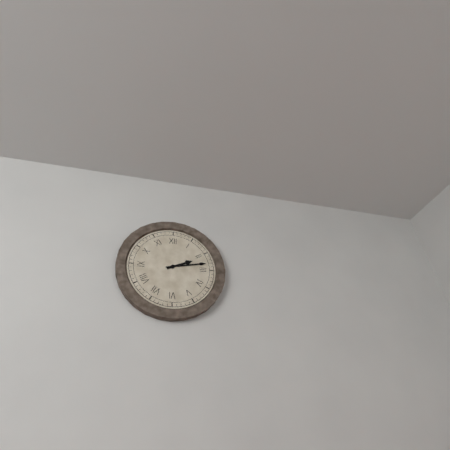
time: **2:13**
